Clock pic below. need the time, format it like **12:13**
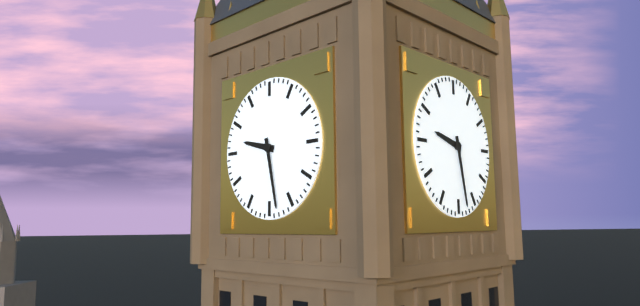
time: **9:28**
